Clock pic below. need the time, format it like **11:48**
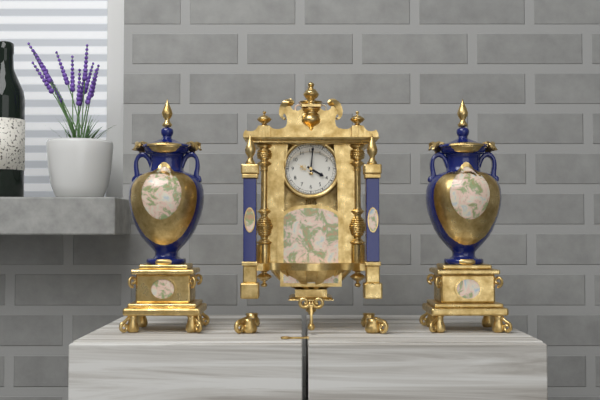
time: **4:01**
